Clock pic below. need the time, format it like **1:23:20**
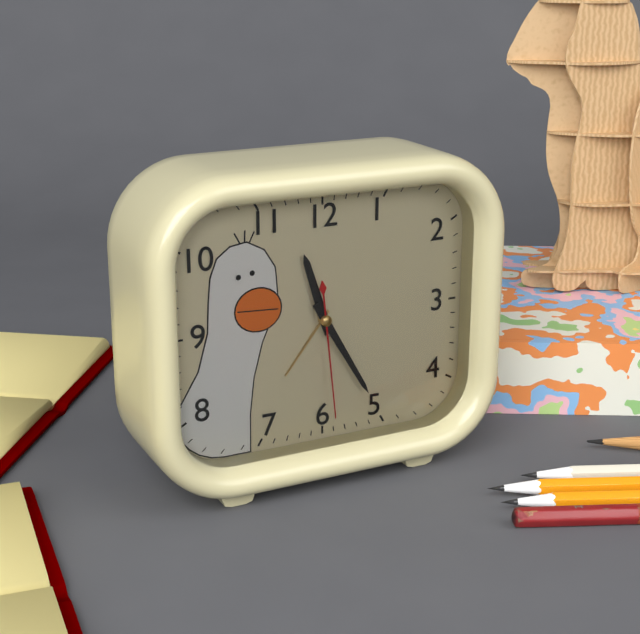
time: **11:25:29**
